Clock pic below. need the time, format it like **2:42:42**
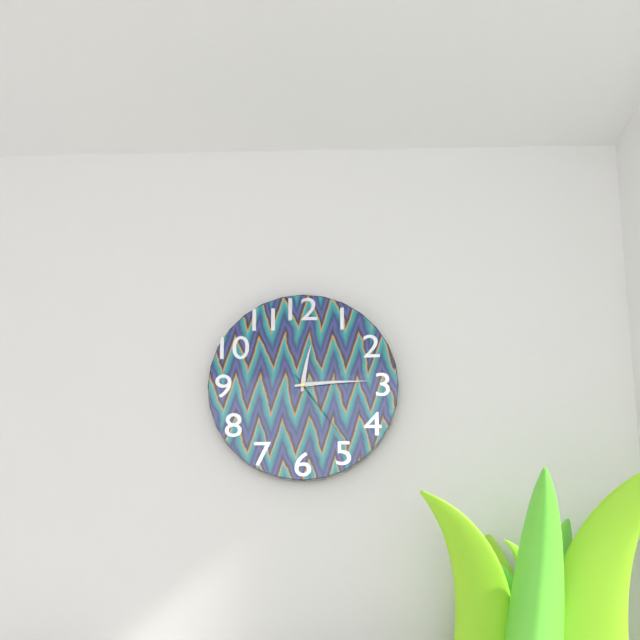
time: **12:14:24**
